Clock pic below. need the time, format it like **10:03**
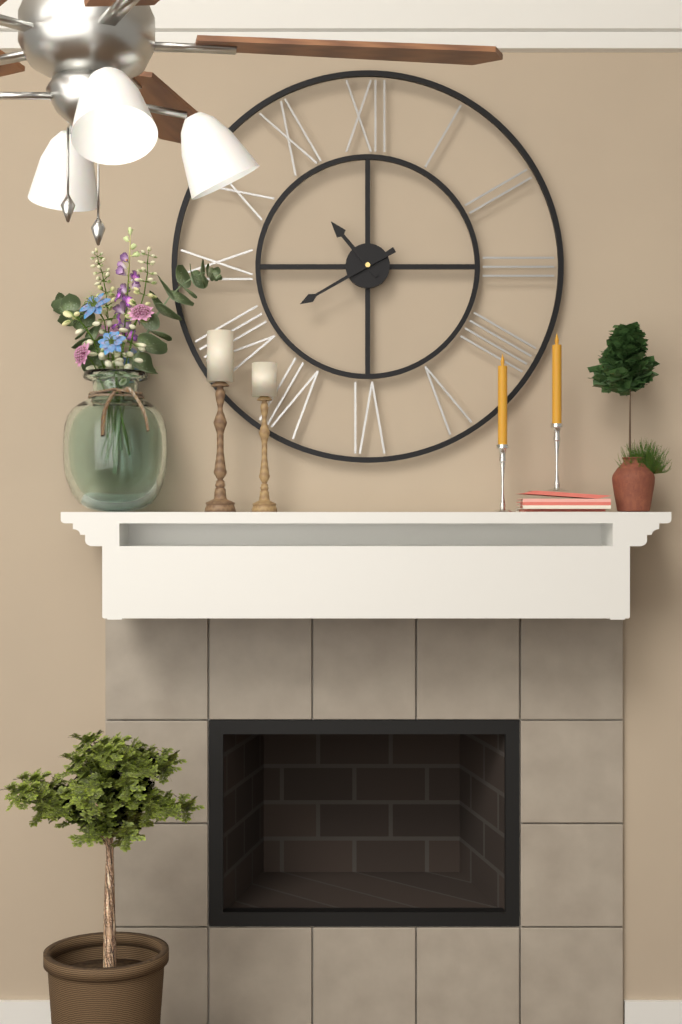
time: **10:40**
